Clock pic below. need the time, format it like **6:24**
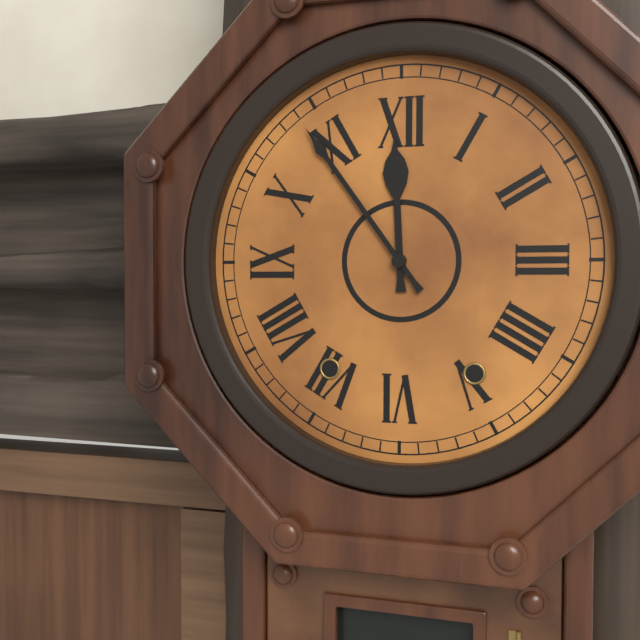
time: **11:54**
